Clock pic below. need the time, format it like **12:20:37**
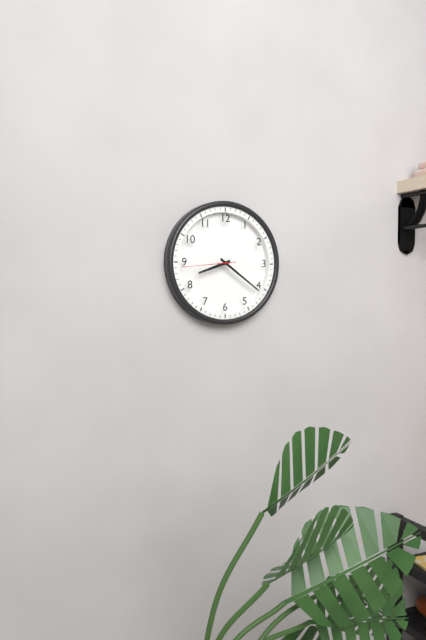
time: **8:21:44**
